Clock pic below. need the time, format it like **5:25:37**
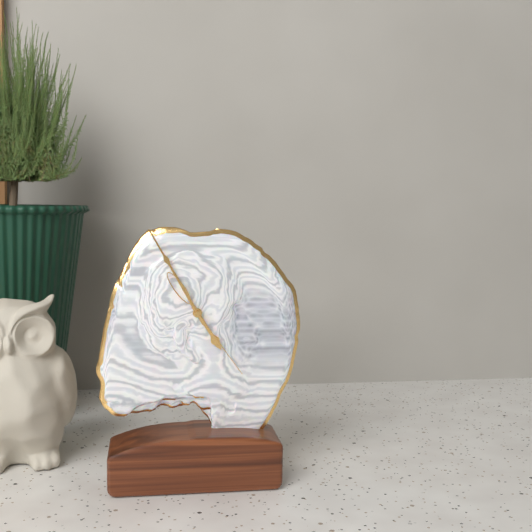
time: **4:55:24**
